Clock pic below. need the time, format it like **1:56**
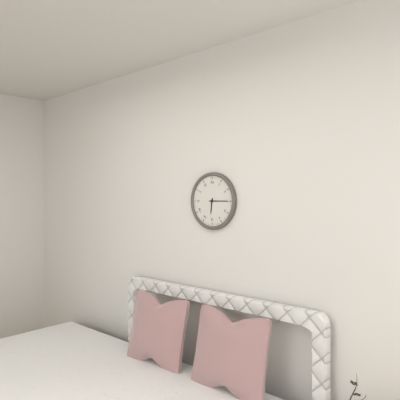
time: **6:15**
